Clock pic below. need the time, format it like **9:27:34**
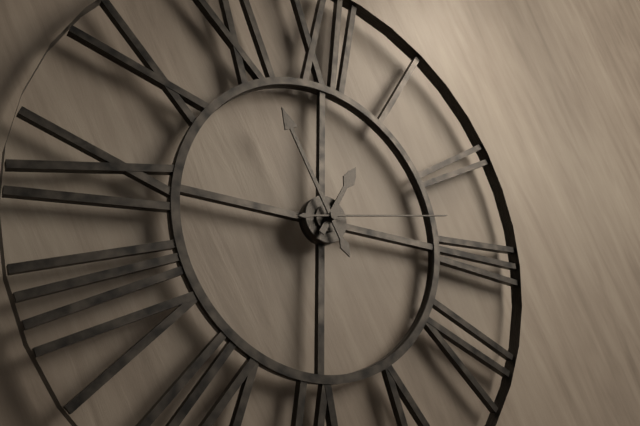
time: **12:55:13**
